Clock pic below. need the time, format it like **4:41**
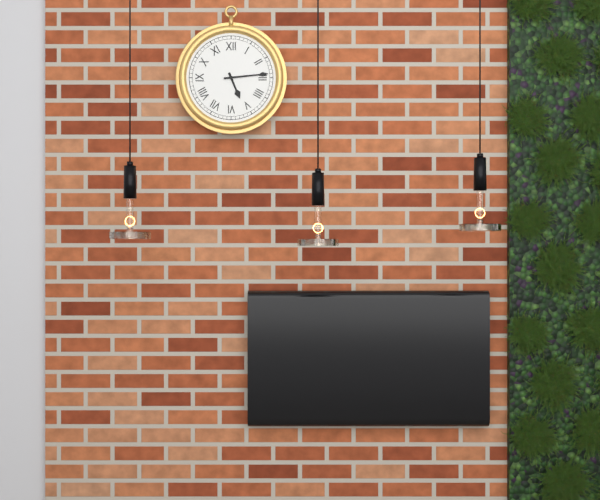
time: **5:14**
